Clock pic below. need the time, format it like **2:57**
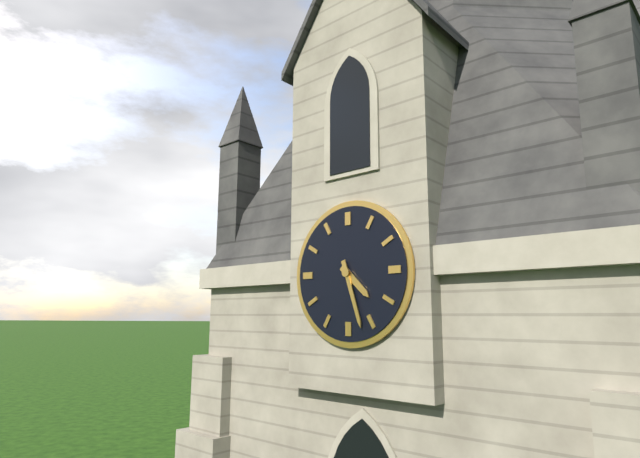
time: **4:27**
